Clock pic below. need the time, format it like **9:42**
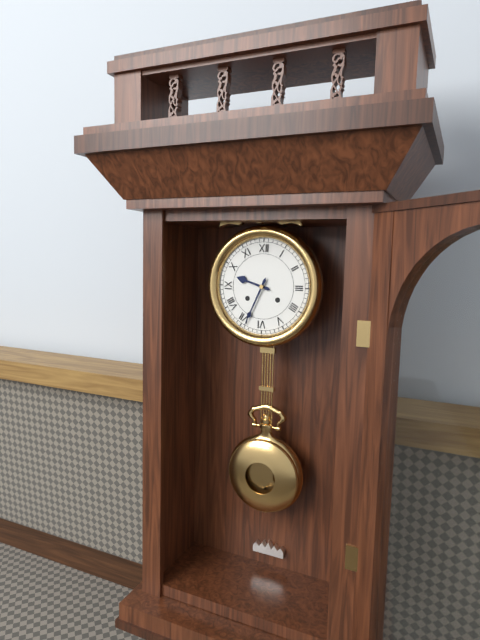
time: **9:34**
